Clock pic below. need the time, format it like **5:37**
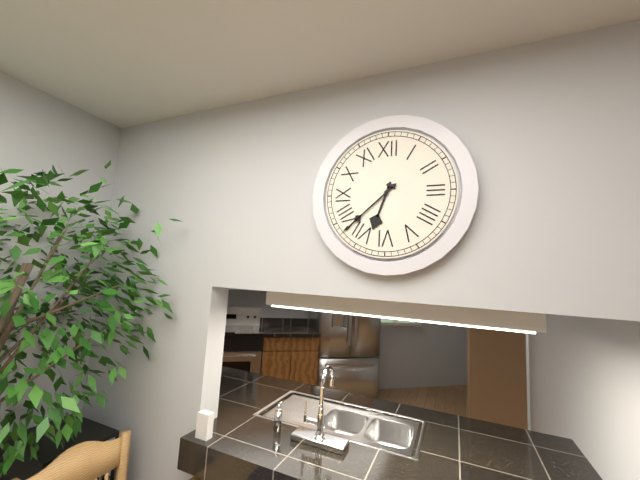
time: **6:38**
